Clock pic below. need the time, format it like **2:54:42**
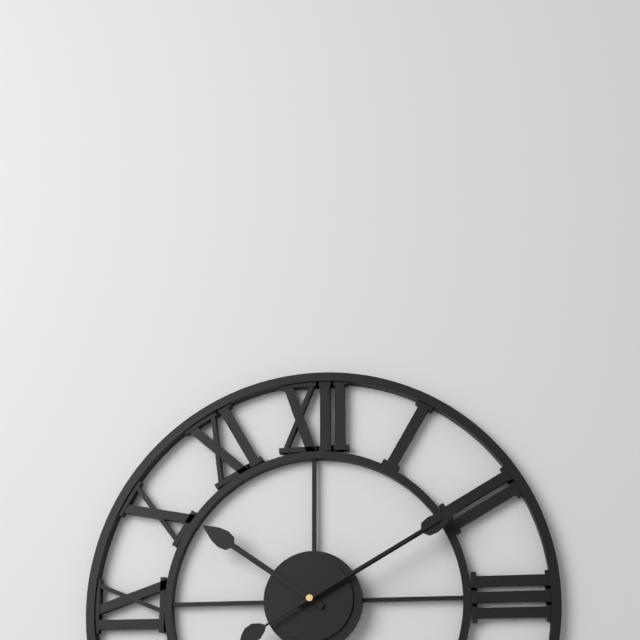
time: **10:10:10**
